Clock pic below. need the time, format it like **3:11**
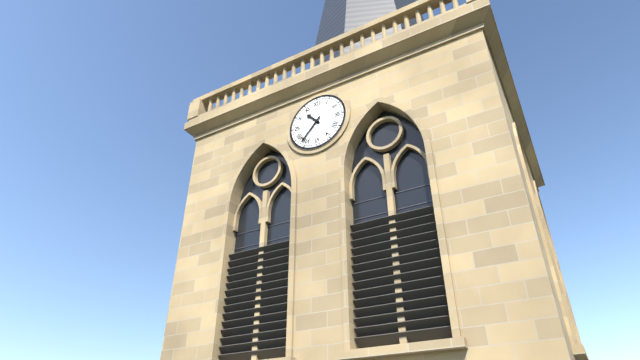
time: **10:37**
